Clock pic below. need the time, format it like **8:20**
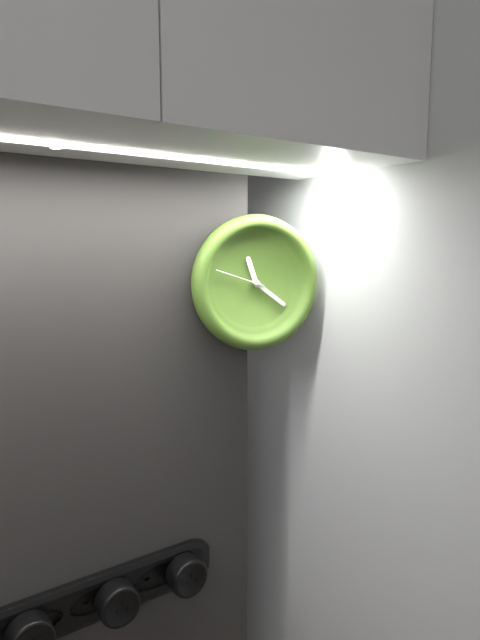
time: **11:21**
